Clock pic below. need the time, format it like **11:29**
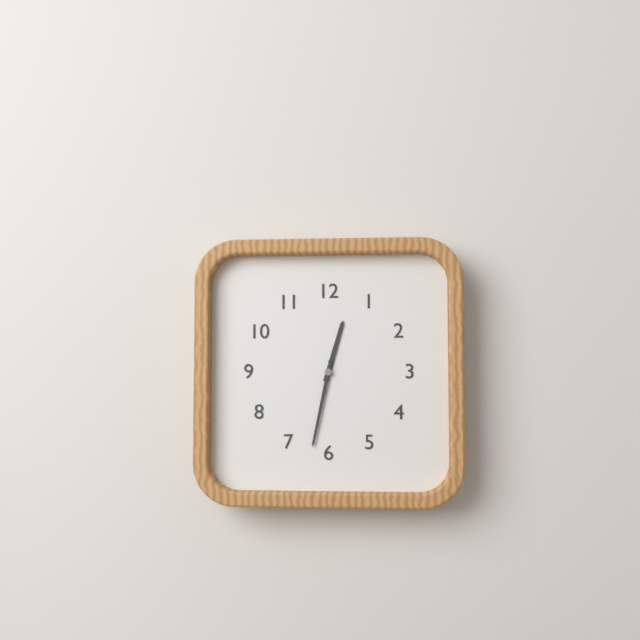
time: **12:32**
